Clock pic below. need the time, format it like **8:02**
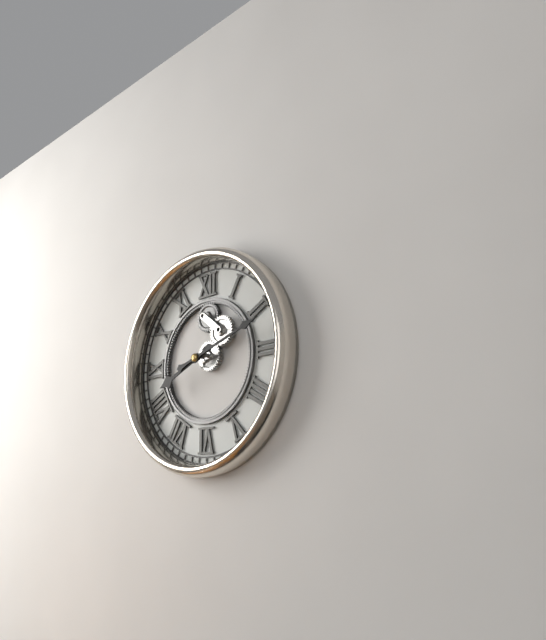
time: **8:12**
